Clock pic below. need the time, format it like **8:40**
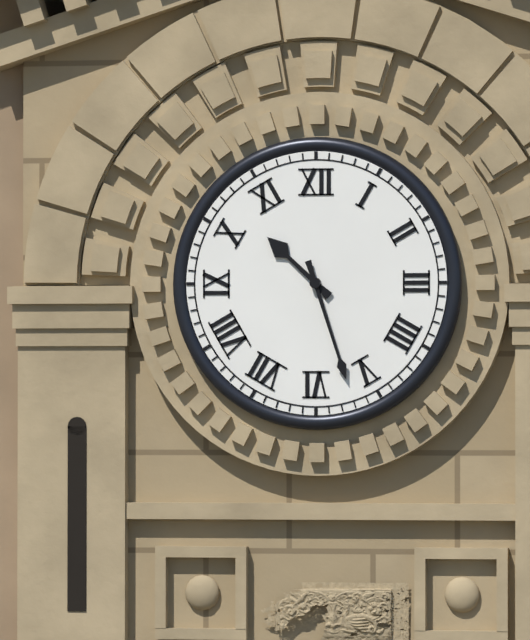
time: **10:27**
